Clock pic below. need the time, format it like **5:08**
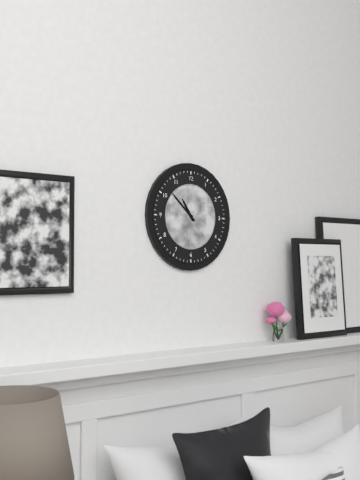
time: **10:52**
